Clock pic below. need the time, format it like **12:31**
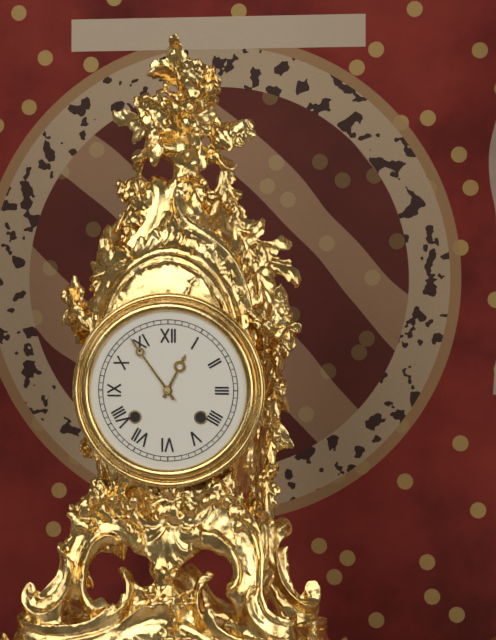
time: **12:54**
